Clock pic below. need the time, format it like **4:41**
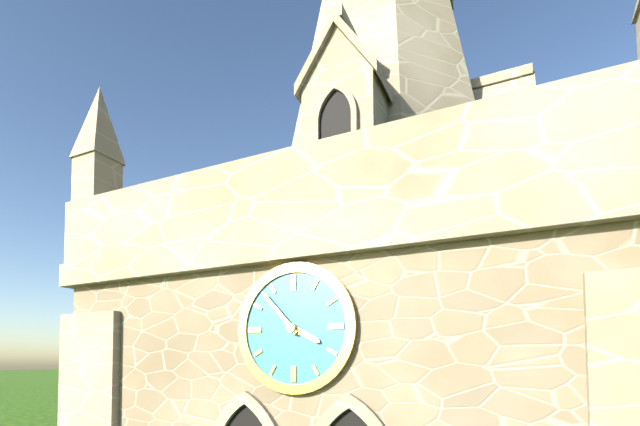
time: **3:53**
